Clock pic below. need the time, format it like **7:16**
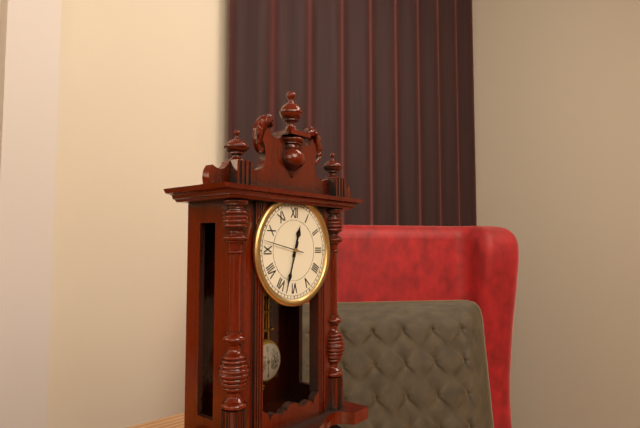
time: **12:33**
